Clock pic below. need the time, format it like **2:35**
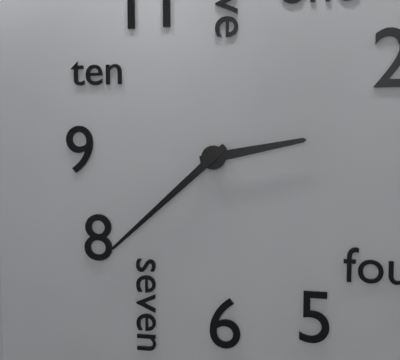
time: **2:38**
